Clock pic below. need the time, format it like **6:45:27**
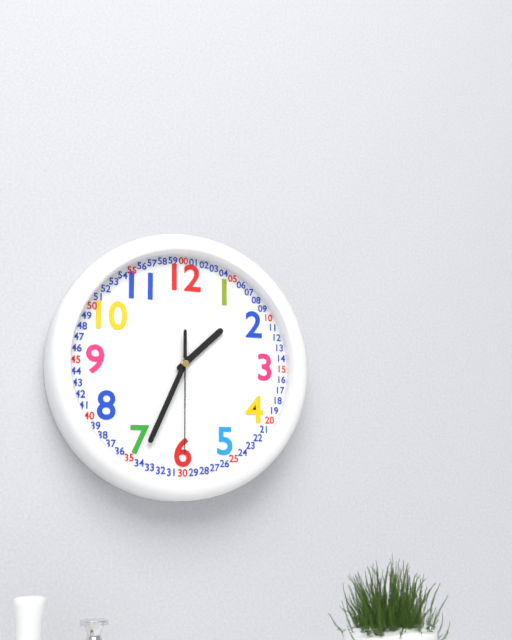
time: **1:34:30**
